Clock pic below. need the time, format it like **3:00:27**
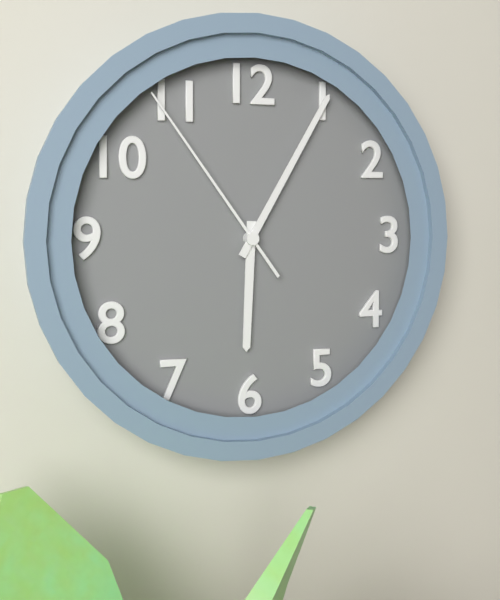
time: **6:05:54**
